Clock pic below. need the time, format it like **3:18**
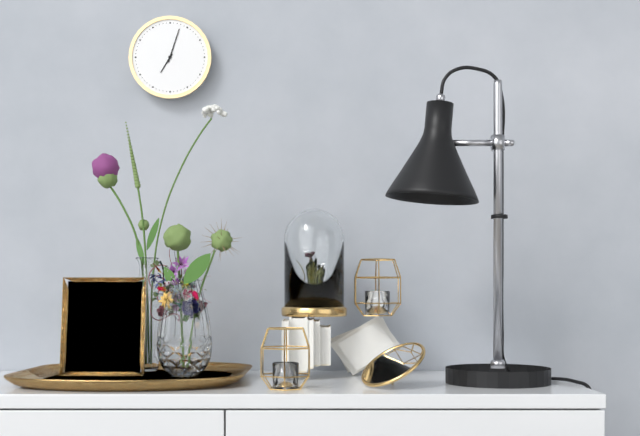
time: **7:03**
